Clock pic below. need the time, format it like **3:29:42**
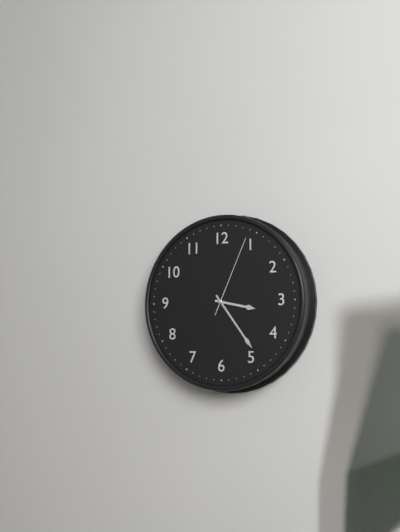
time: **3:24:04**
